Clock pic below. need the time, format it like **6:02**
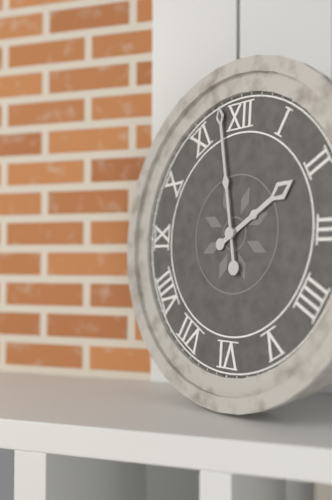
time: **1:58**
